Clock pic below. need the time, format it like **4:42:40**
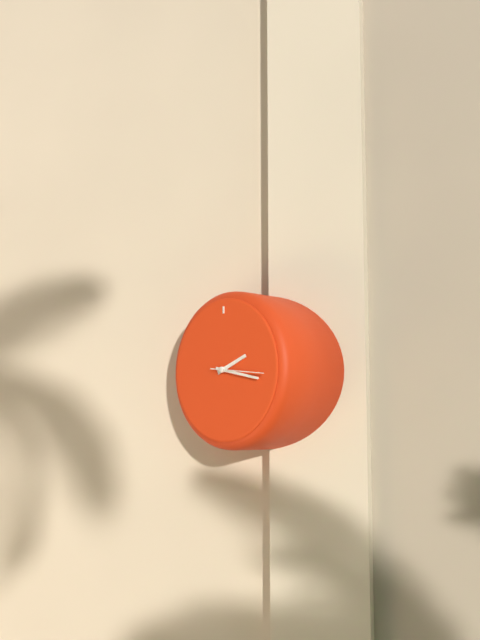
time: **2:17:16**
